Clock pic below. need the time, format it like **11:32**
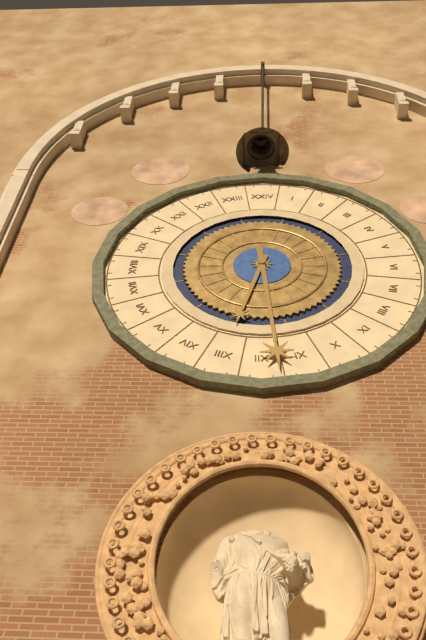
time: **6:29**
